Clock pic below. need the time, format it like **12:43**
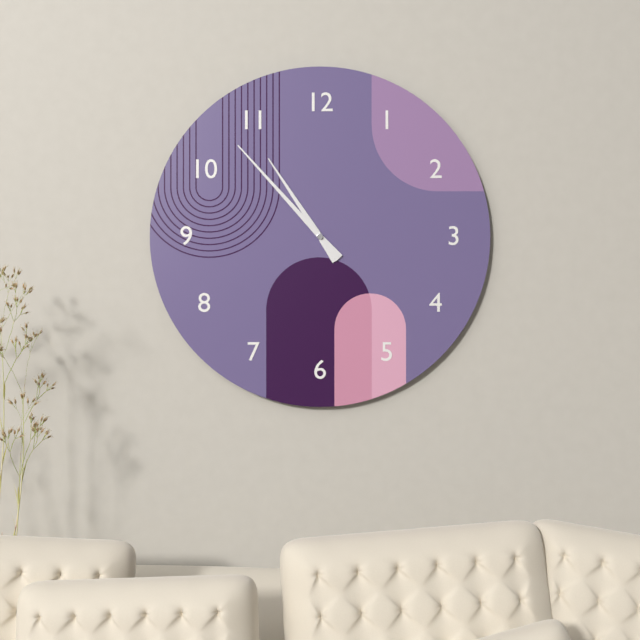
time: **10:53**
